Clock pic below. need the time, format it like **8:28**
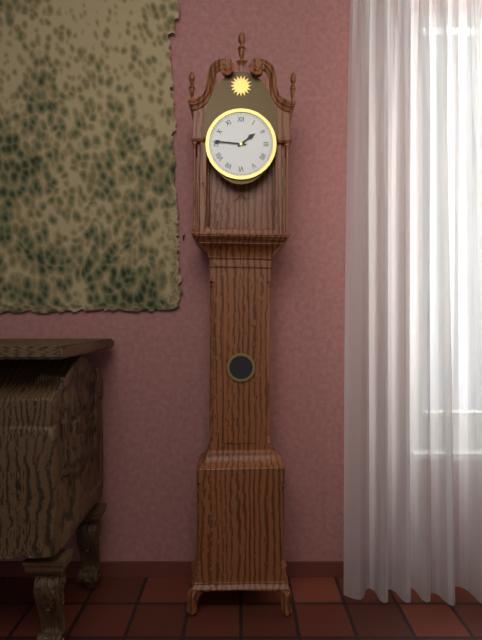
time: **1:46**
